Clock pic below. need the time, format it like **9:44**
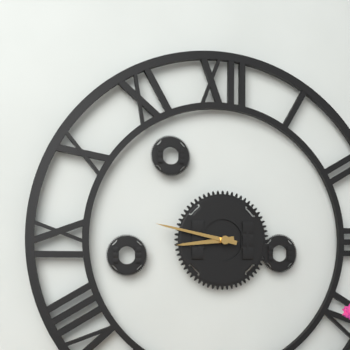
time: **8:47**
